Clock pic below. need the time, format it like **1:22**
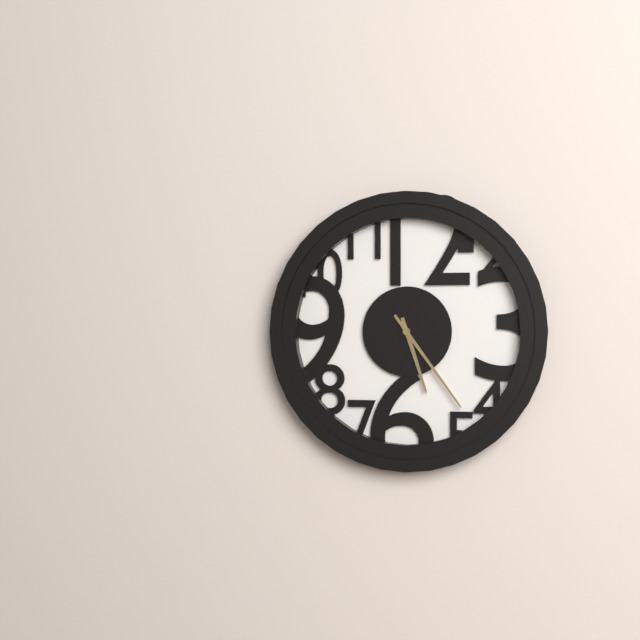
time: **5:24**
